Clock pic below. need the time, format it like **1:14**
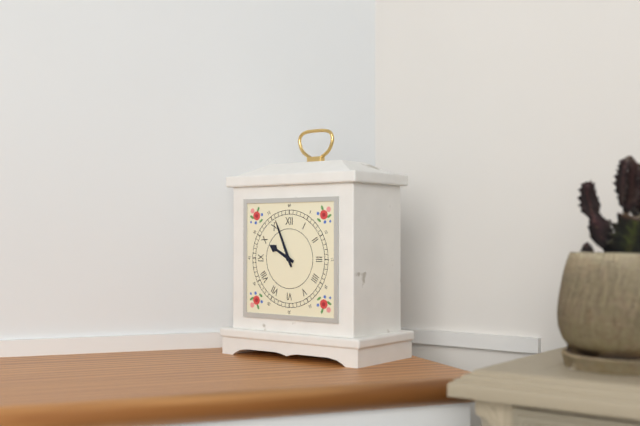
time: **9:56**
